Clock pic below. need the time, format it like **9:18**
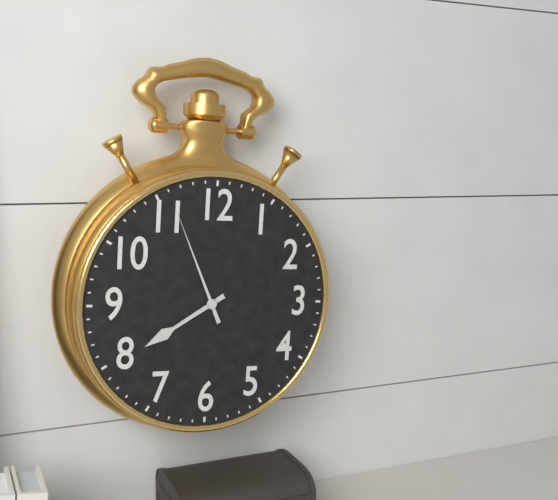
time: **7:56**
